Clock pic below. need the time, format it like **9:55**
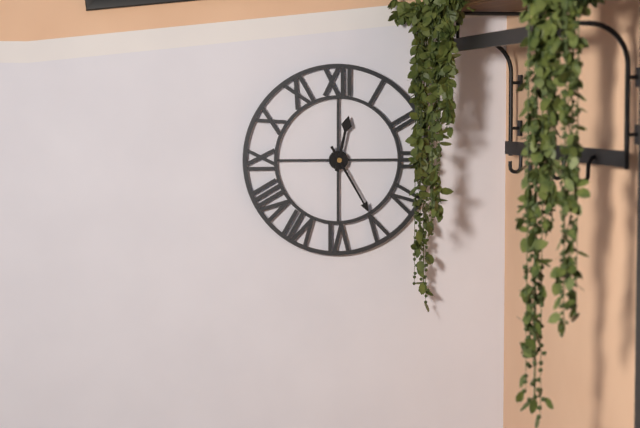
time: **12:25**
